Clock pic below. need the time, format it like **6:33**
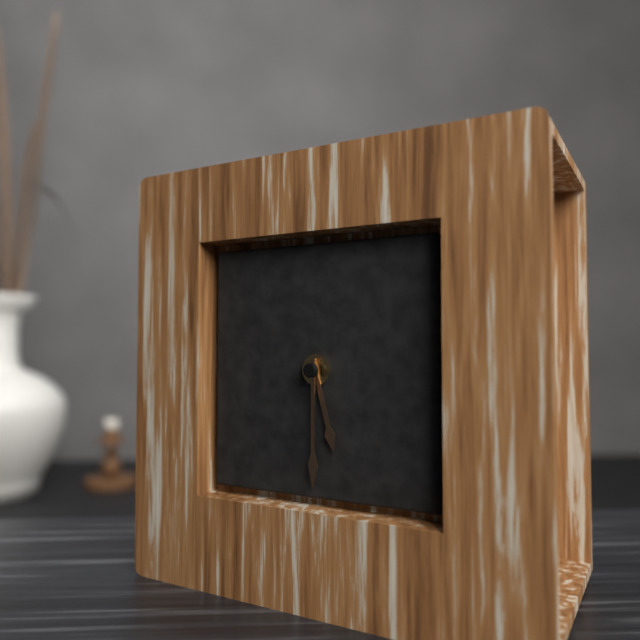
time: **5:30**
